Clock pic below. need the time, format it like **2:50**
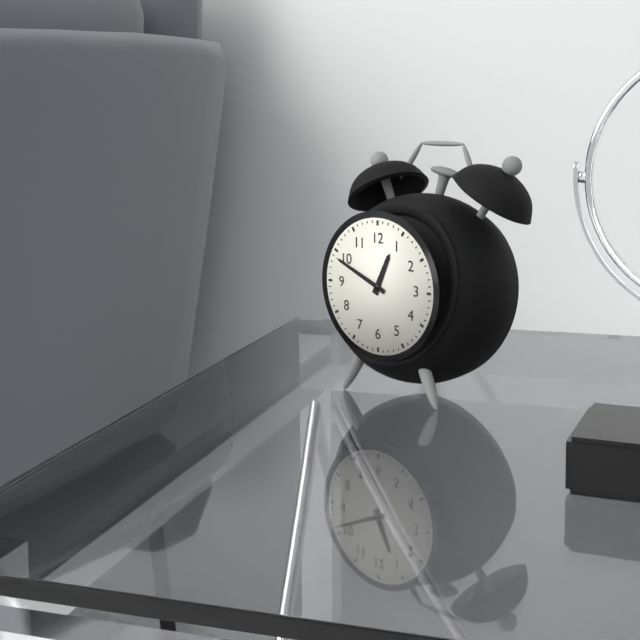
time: **12:49**
